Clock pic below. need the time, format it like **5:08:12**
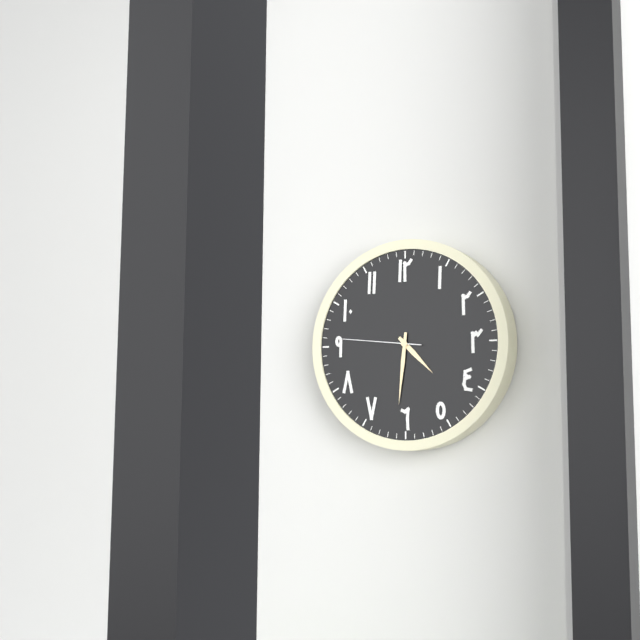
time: **4:31:46**
